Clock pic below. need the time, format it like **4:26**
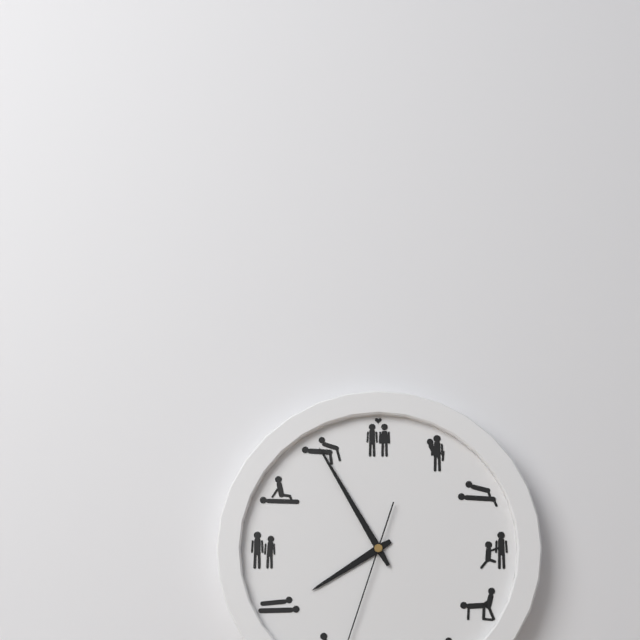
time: **7:55**
